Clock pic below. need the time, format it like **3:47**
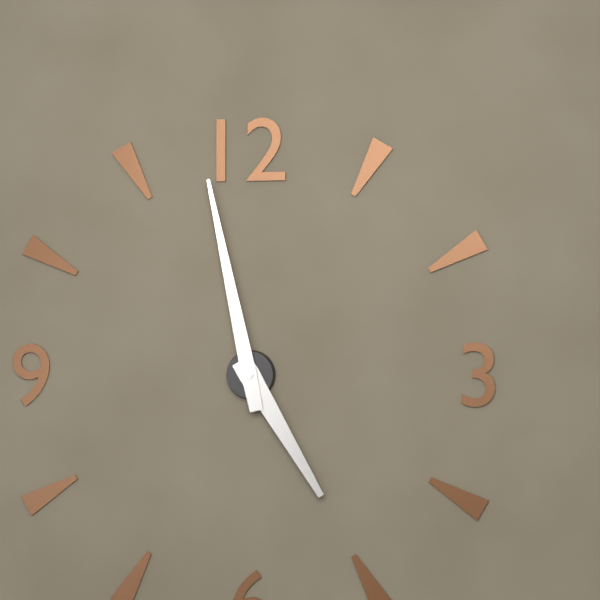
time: **4:58**
